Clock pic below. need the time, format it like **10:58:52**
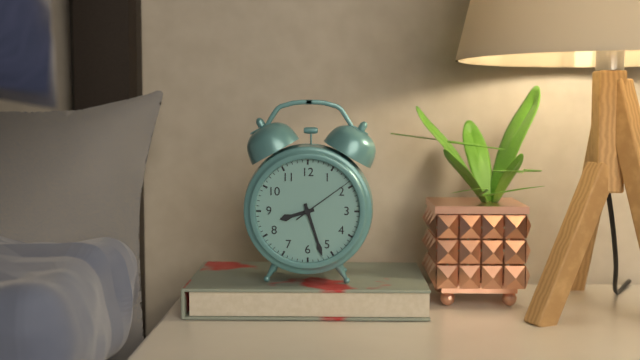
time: **8:27:09**
